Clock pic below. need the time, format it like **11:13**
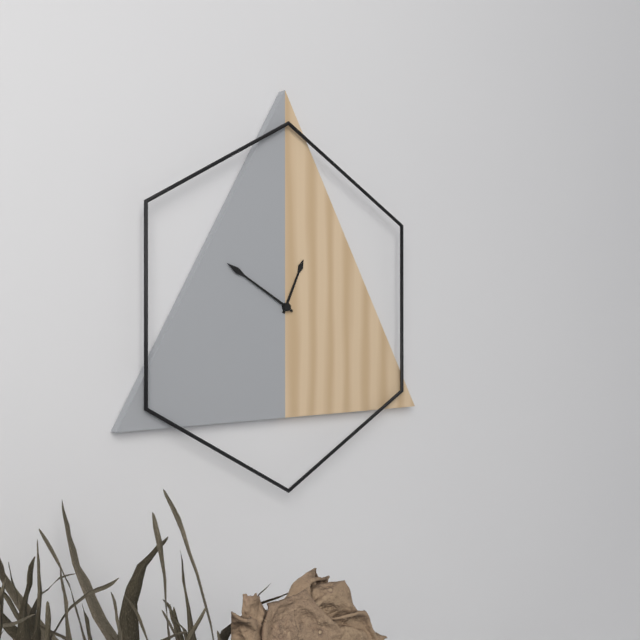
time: **12:50**
